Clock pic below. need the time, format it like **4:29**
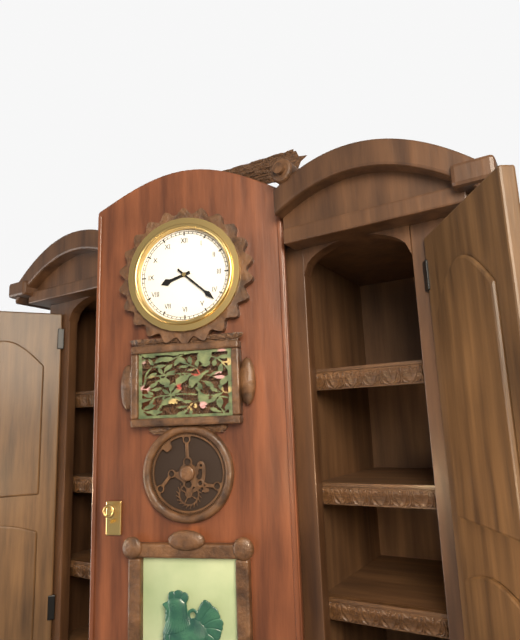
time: **8:22**
